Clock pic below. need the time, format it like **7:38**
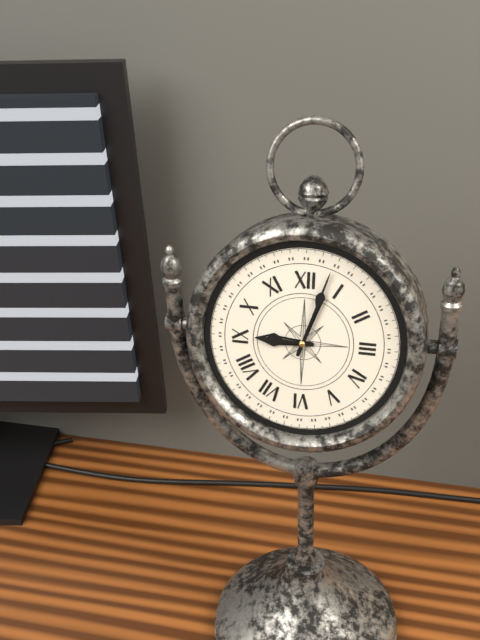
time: **9:03**
